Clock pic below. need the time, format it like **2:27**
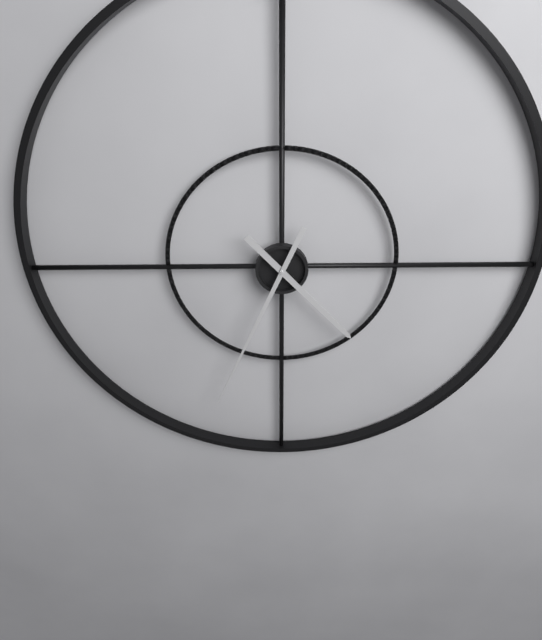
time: **4:34**
